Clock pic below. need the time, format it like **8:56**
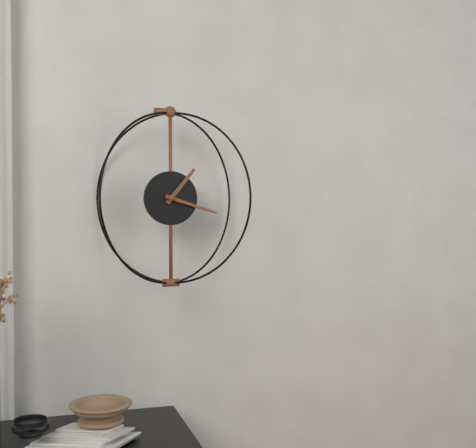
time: **1:18**
